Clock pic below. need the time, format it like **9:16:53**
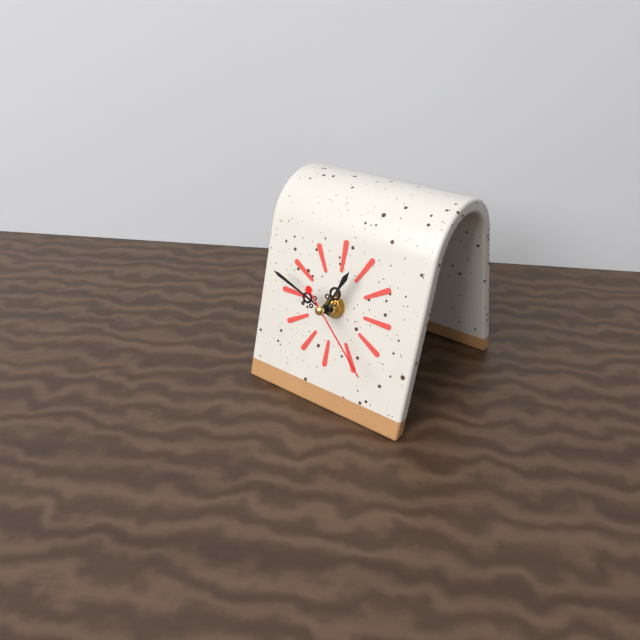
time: **12:48:22**
